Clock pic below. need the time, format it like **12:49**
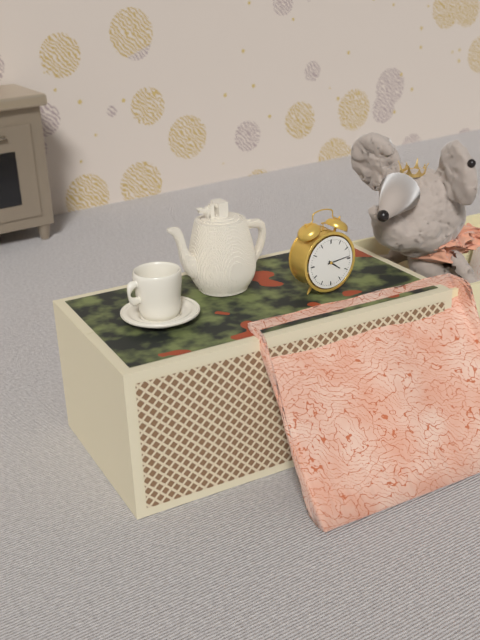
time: **4:14**
